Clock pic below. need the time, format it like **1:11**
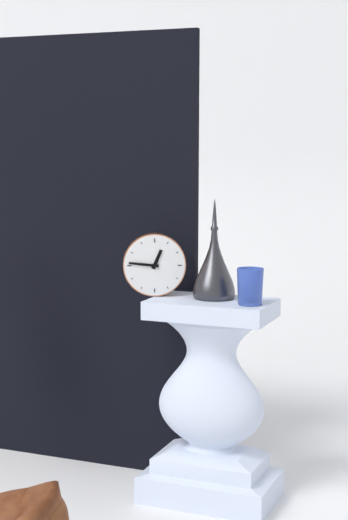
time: **12:46**
